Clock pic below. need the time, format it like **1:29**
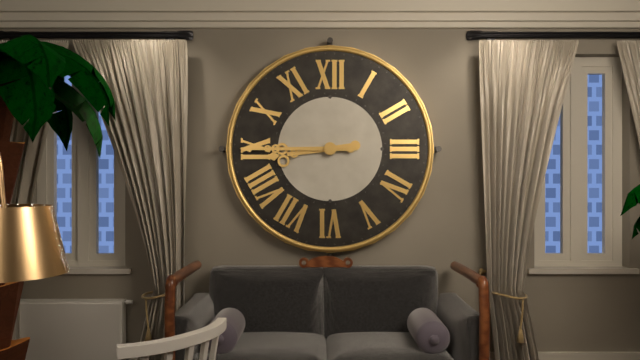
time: **8:45**
